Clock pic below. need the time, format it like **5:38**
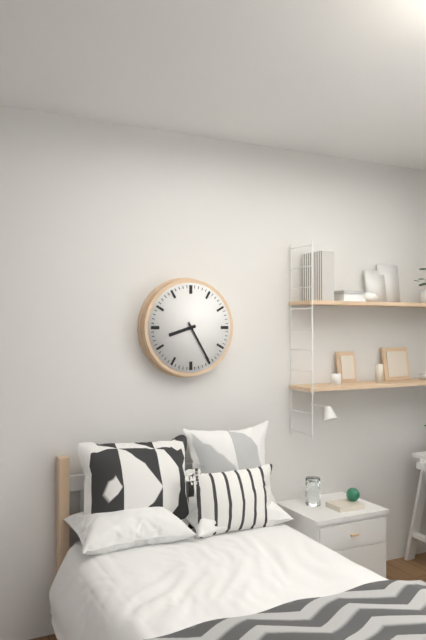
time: **8:25**
